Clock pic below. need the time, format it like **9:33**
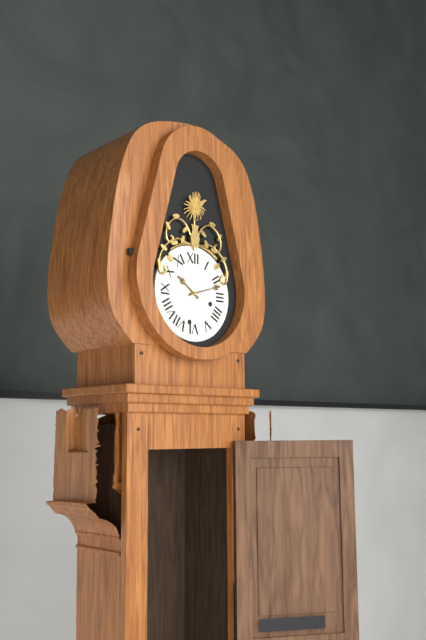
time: **10:12**
